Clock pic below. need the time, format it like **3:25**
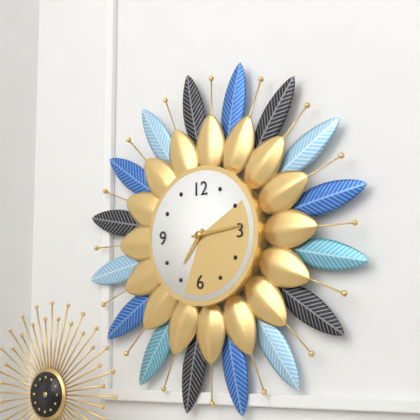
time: **7:14**
